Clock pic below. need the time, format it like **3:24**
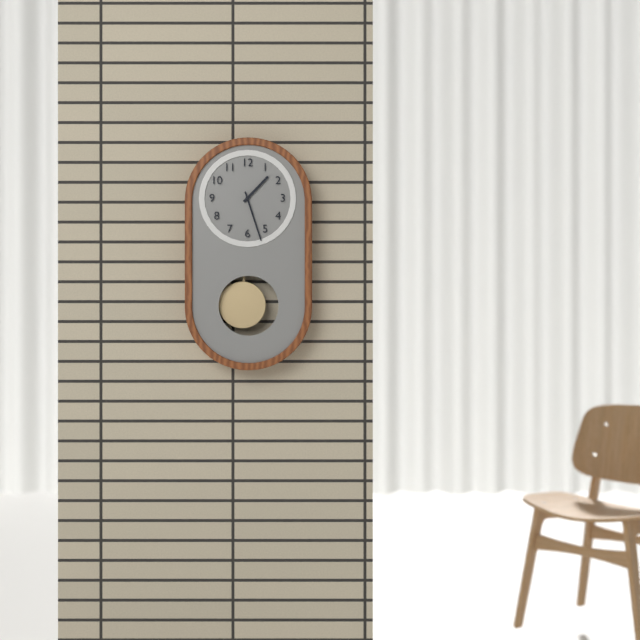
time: **1:27**
